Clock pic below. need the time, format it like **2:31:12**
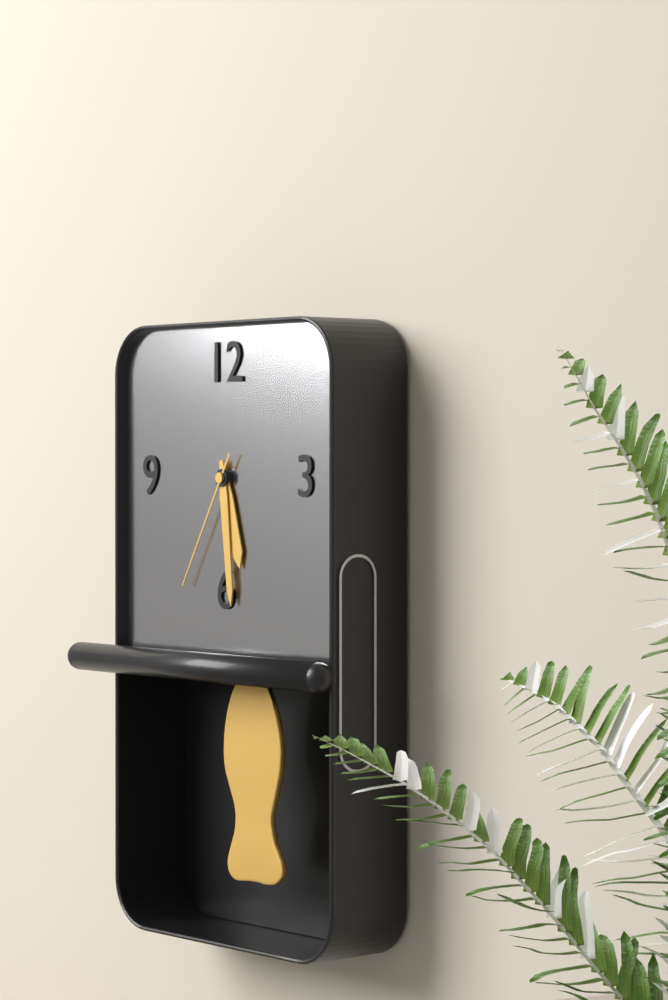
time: **5:29:35**
